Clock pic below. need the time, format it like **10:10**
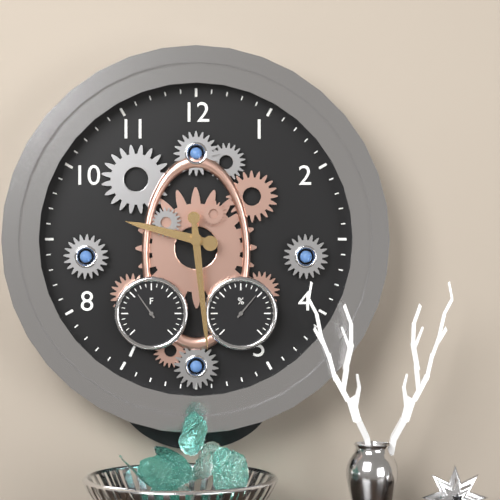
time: **9:29**
